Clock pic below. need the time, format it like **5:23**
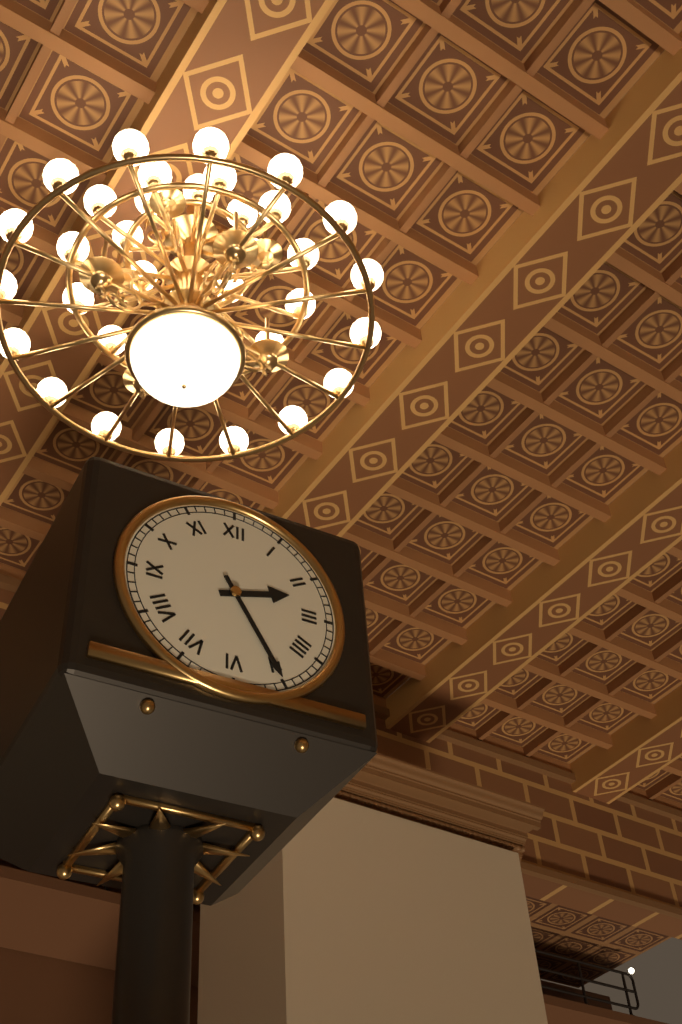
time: **2:25**
